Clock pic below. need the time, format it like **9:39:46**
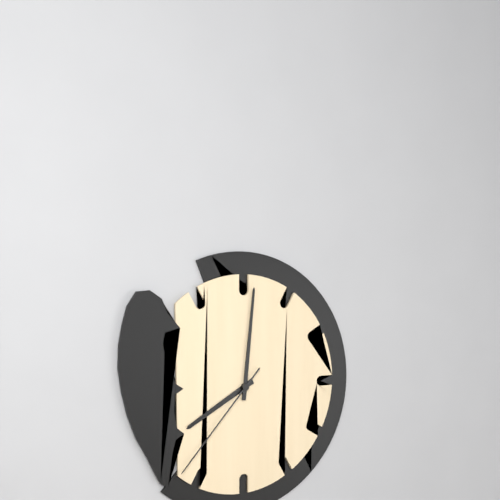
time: **8:01:37**
